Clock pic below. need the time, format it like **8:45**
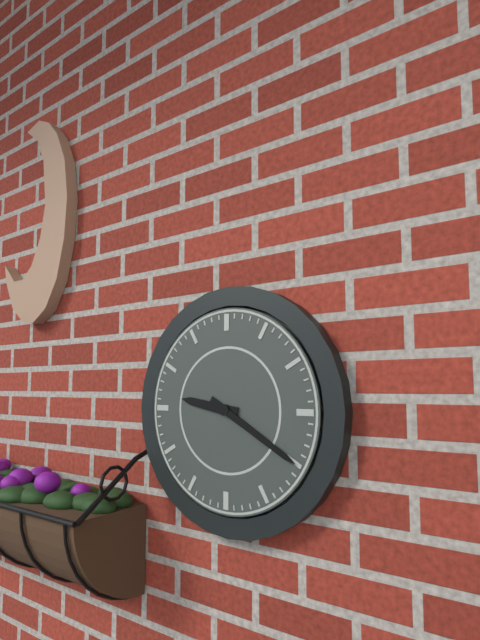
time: **9:20**
